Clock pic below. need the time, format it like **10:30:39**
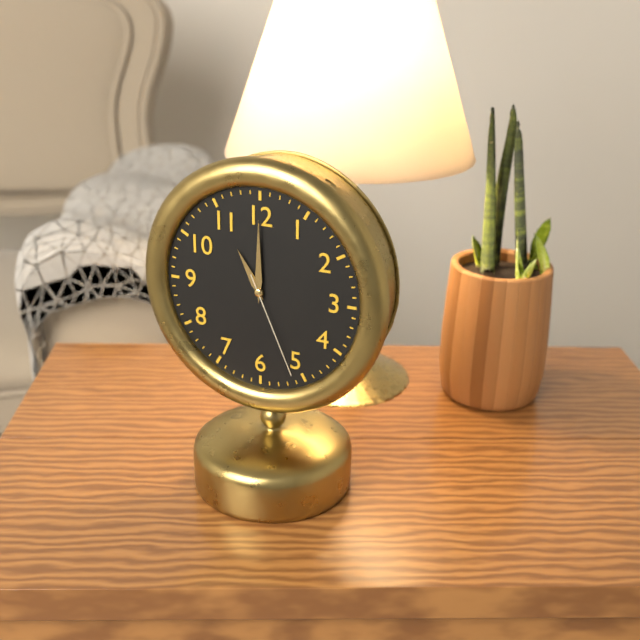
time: **11:00:26**
